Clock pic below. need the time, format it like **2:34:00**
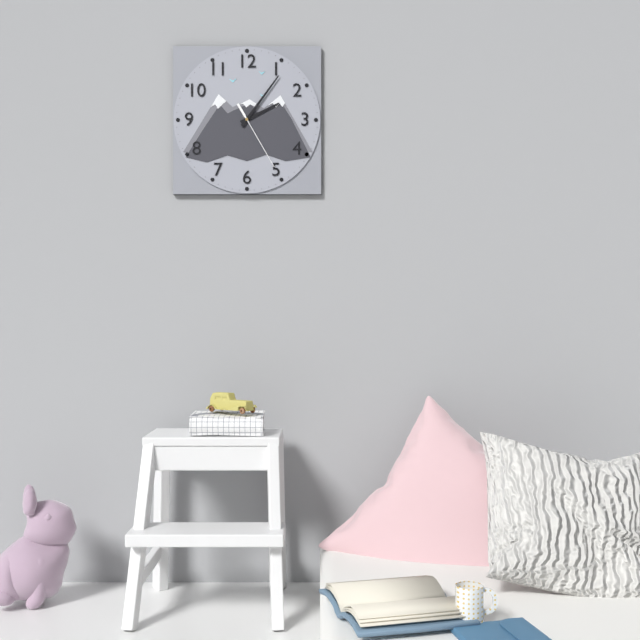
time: **2:06:25**
